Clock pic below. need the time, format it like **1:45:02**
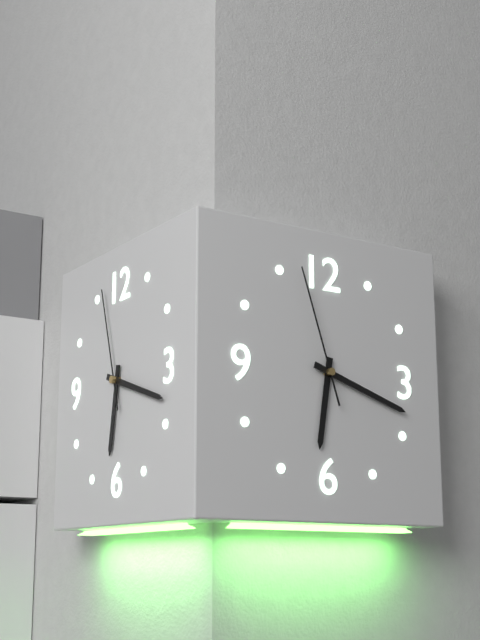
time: **6:18:57**
